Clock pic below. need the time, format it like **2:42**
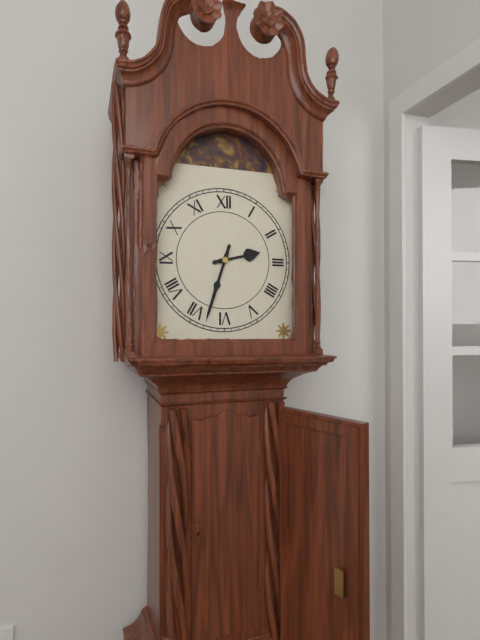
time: **2:33**
